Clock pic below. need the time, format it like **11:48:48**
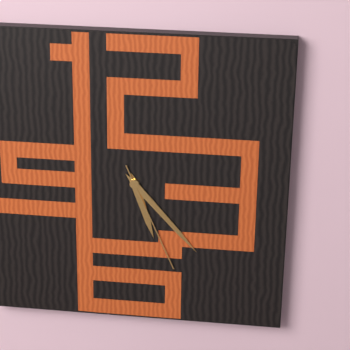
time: **5:23:26**
